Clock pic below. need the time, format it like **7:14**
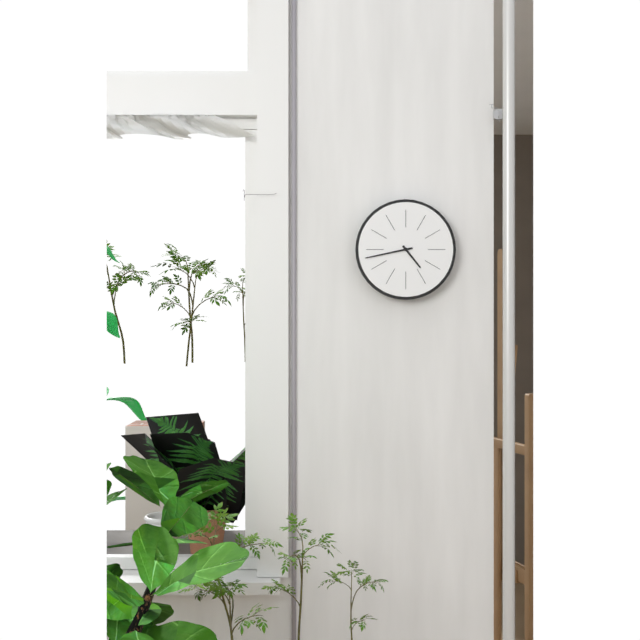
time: **4:43**
